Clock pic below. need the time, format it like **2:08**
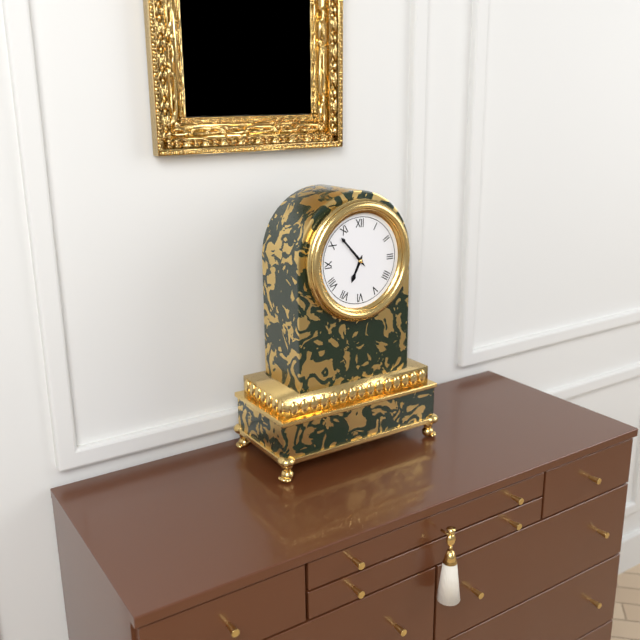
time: **6:53**
